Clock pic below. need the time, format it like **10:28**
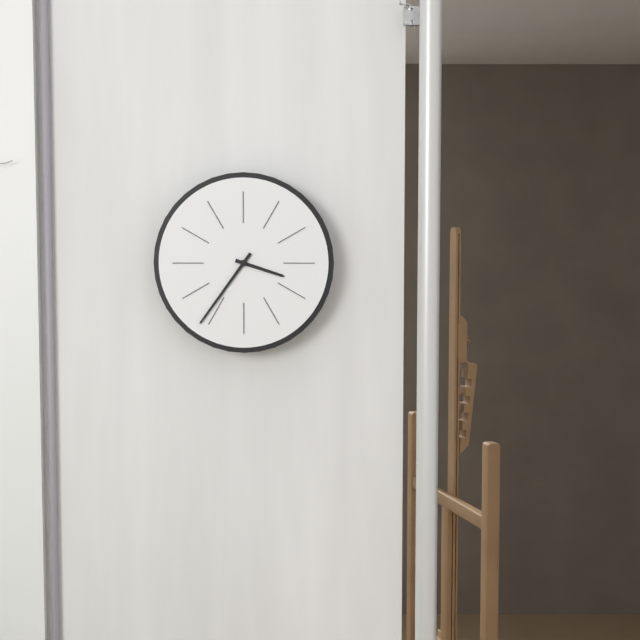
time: **3:36**
